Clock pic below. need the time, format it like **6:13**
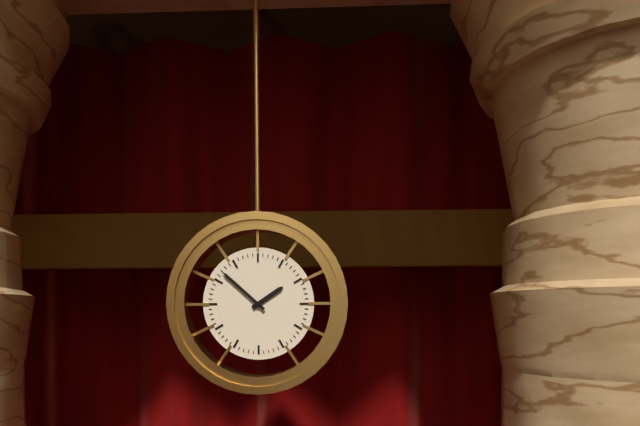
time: **1:52**
